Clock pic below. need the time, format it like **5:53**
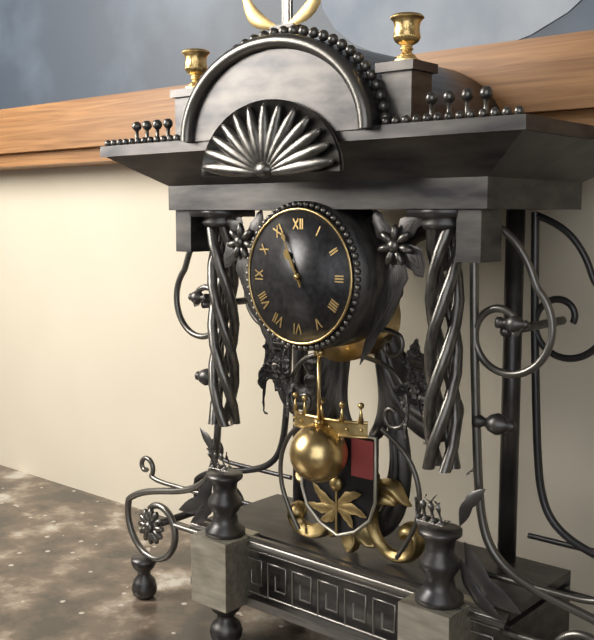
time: **10:56**
